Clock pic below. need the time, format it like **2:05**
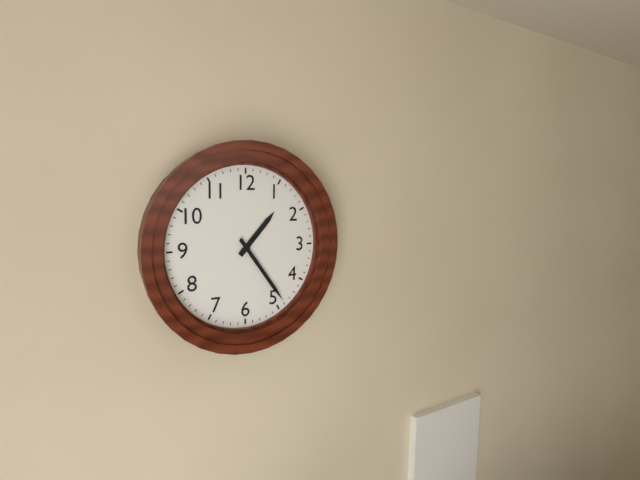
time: **1:24**
